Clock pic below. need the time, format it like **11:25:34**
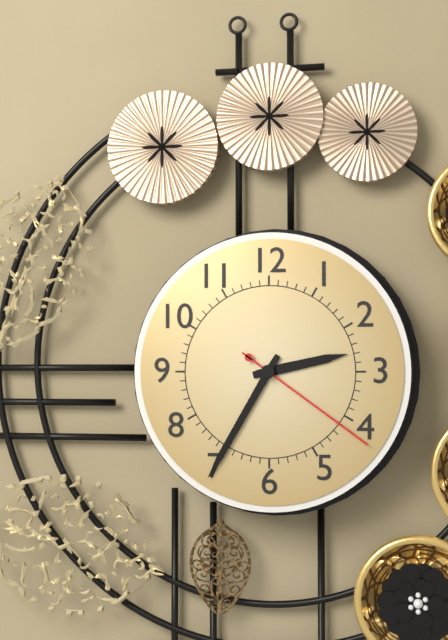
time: **2:35:21**
